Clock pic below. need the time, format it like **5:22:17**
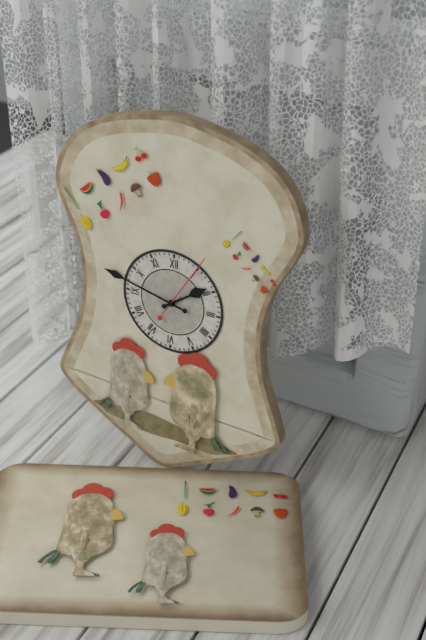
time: **1:47:05**
